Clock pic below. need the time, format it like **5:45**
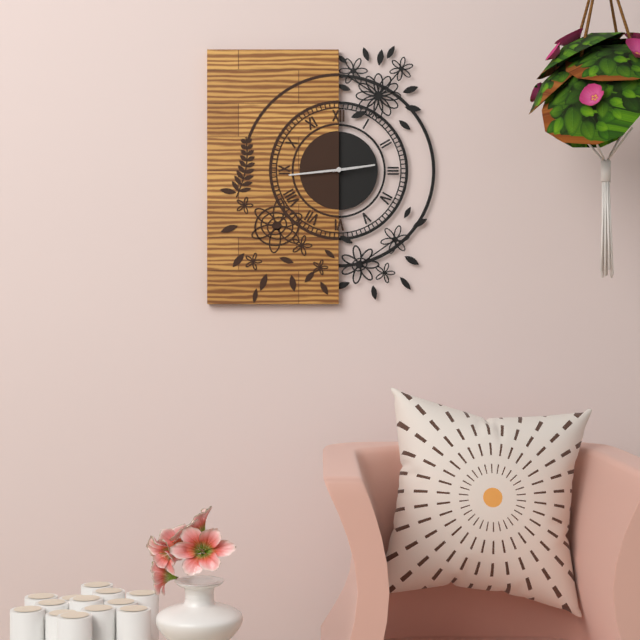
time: **2:44**
